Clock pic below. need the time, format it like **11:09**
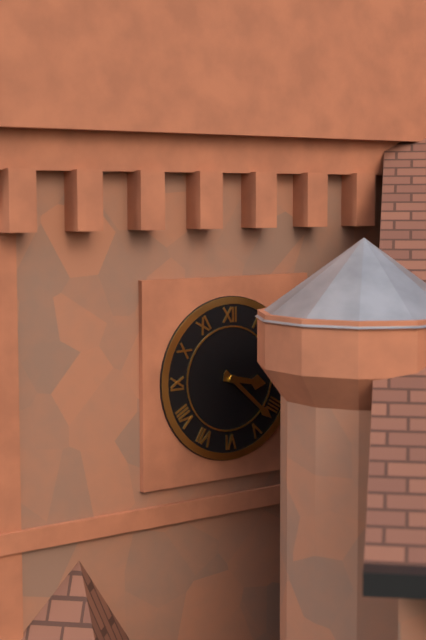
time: **3:22**
